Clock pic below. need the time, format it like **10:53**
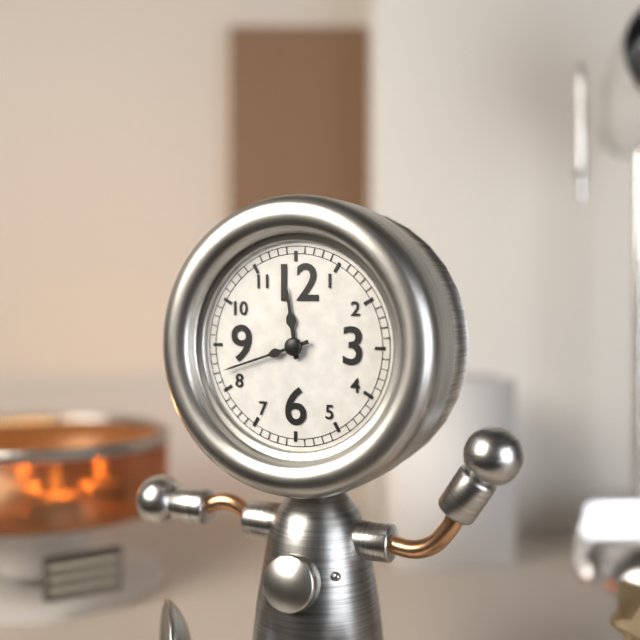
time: **11:42**
